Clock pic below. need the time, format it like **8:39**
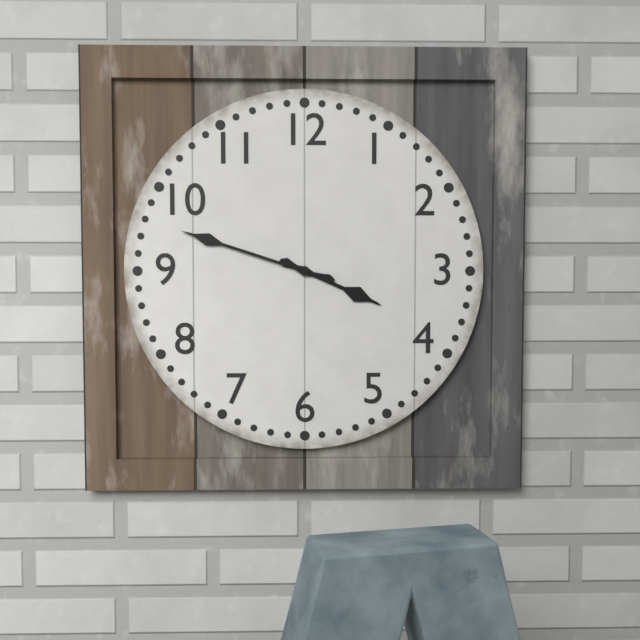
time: **3:48**
